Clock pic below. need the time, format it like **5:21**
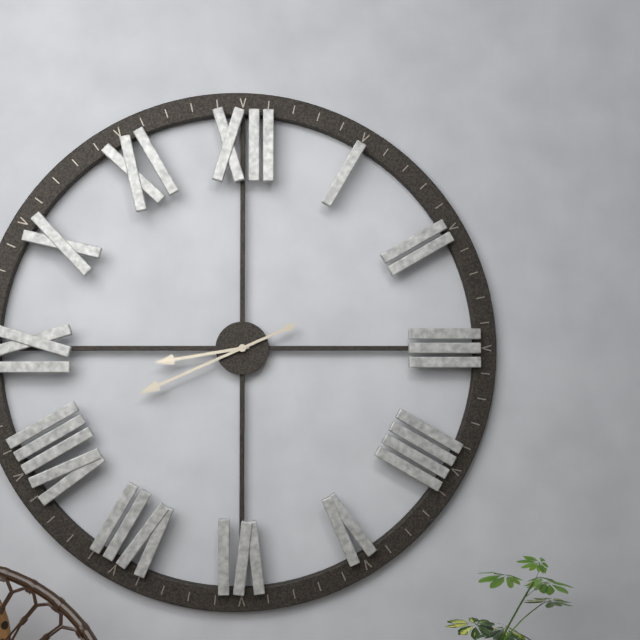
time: **8:41**
